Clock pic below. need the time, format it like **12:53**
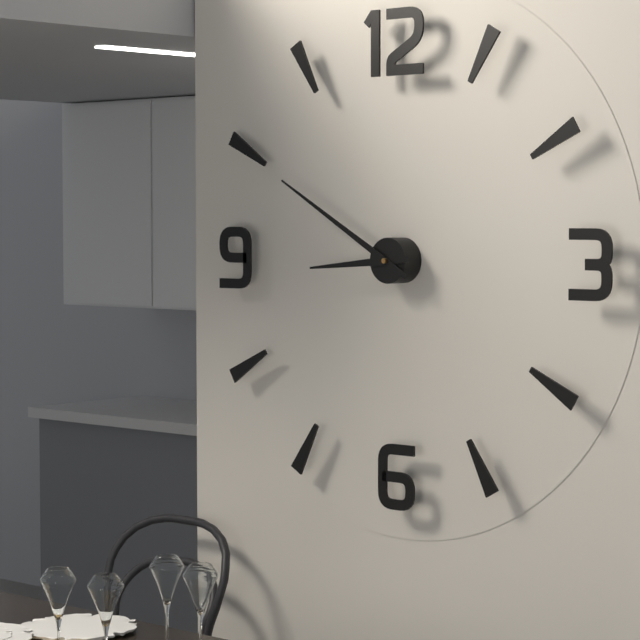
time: **8:50**
